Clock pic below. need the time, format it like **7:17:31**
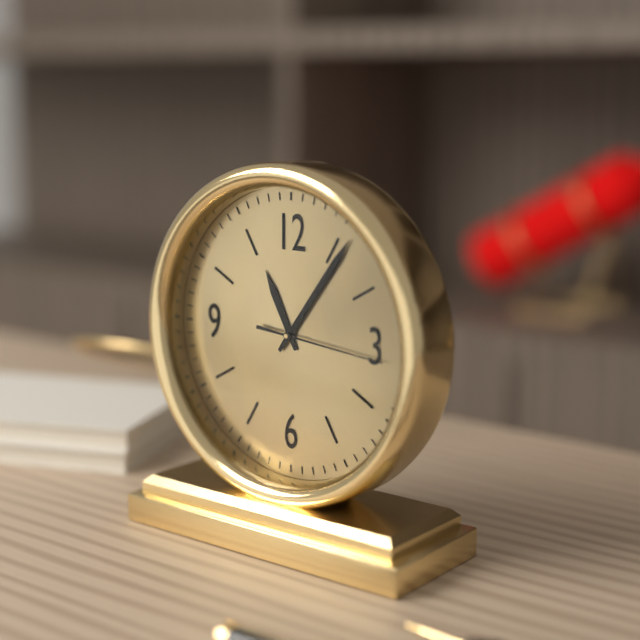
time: **11:06:16**
